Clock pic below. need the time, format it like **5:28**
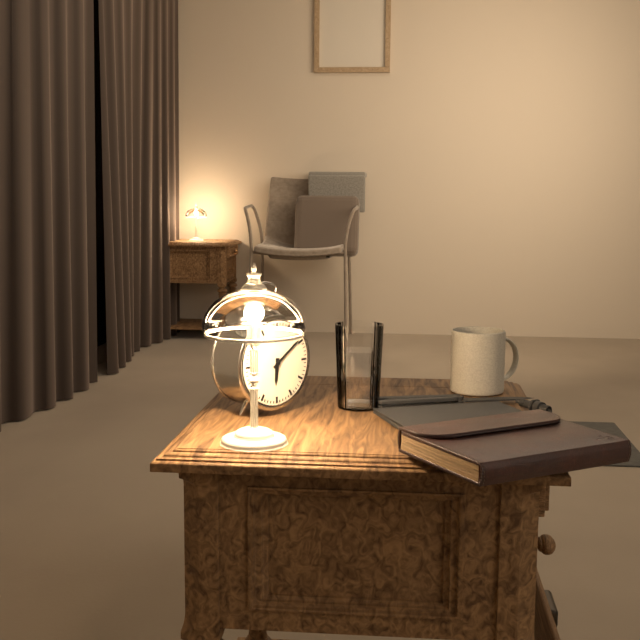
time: **6:09**
